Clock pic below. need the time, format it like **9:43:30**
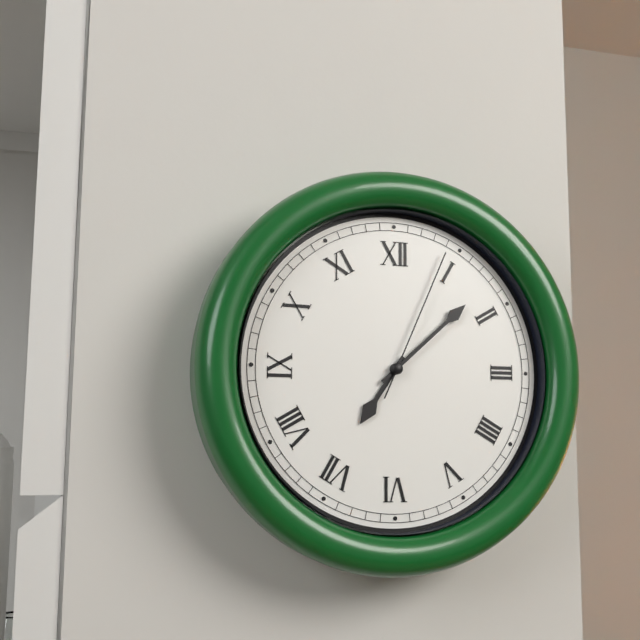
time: **7:08:04**
